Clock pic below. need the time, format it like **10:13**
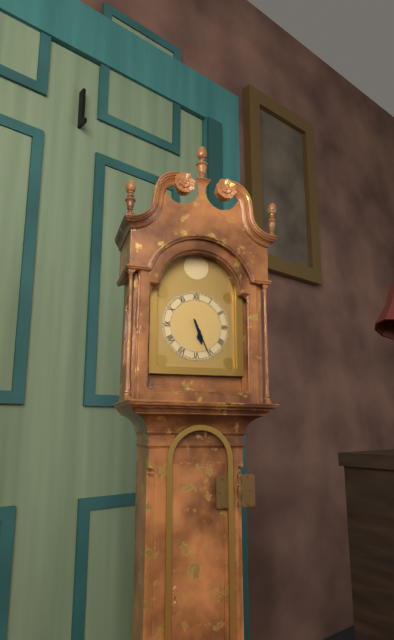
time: **5:26**
